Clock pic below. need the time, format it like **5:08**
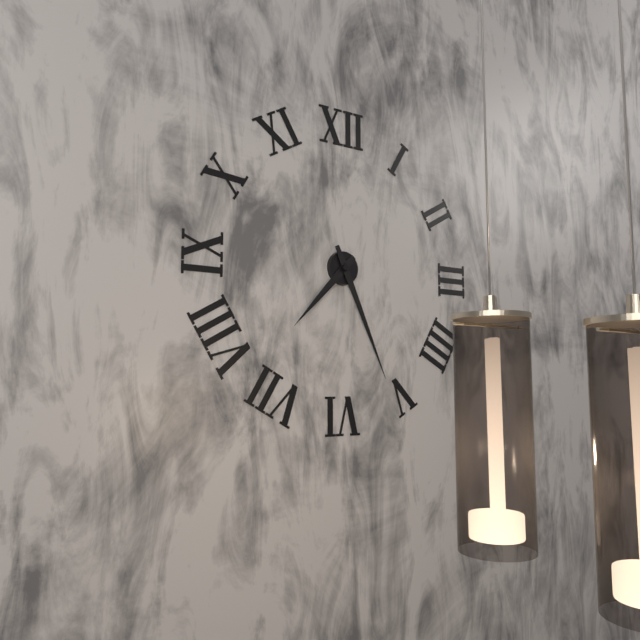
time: **7:26**
